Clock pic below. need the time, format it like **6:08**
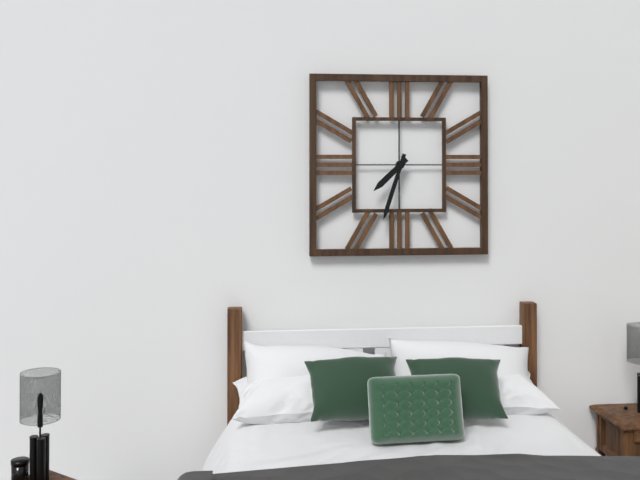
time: **7:33**
